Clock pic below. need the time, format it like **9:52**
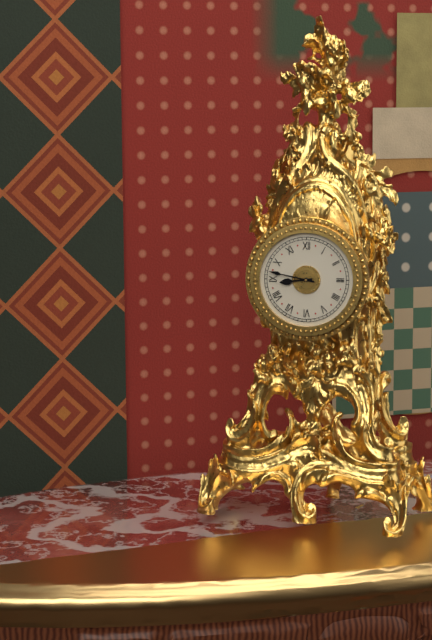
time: **8:47**
